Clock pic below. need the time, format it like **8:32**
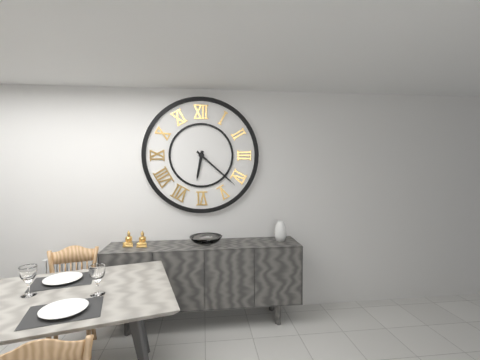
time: **6:22**
